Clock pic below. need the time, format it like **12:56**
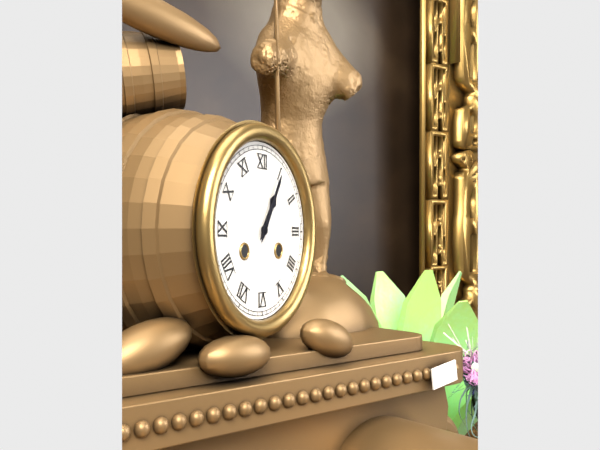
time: **1:05**
